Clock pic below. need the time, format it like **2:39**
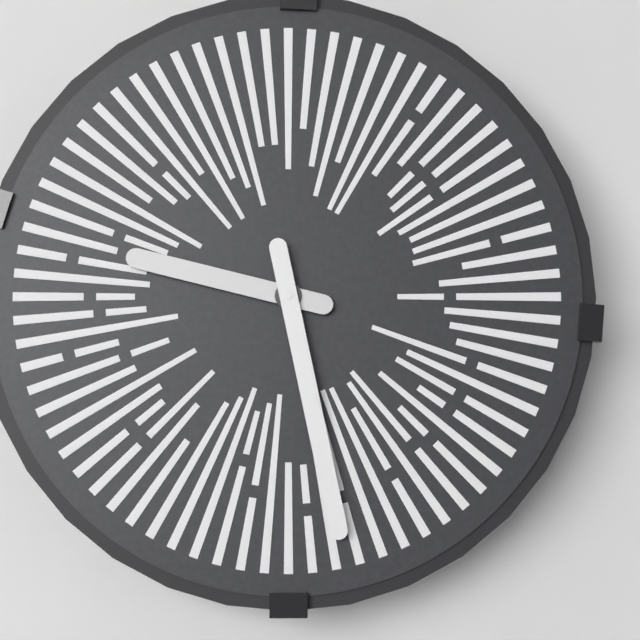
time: **9:28**
